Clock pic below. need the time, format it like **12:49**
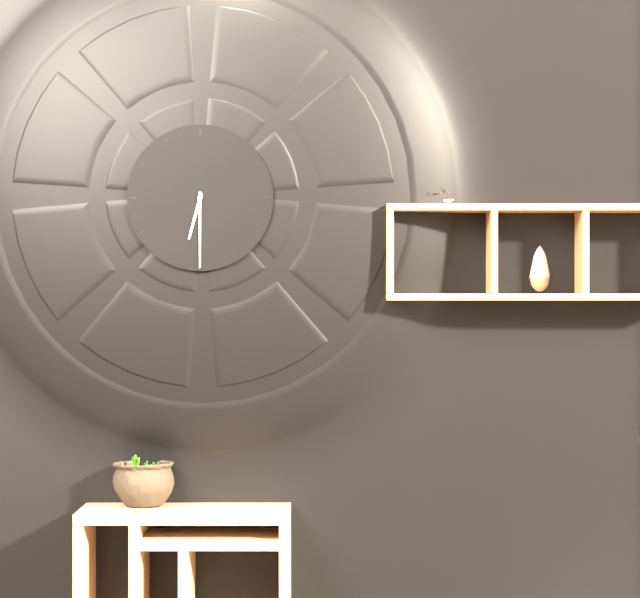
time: **6:30**
